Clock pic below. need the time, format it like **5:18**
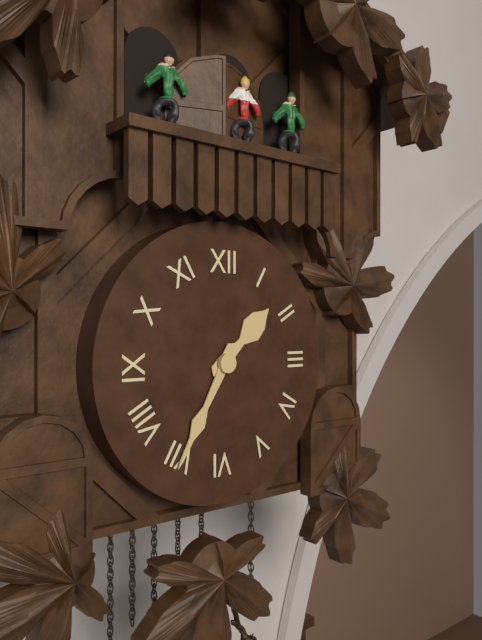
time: **1:35**
